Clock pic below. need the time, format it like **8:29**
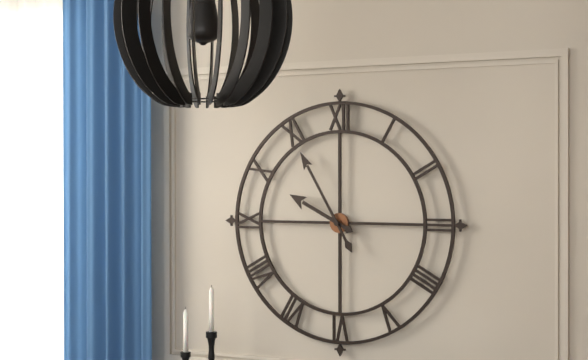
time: **9:55**
